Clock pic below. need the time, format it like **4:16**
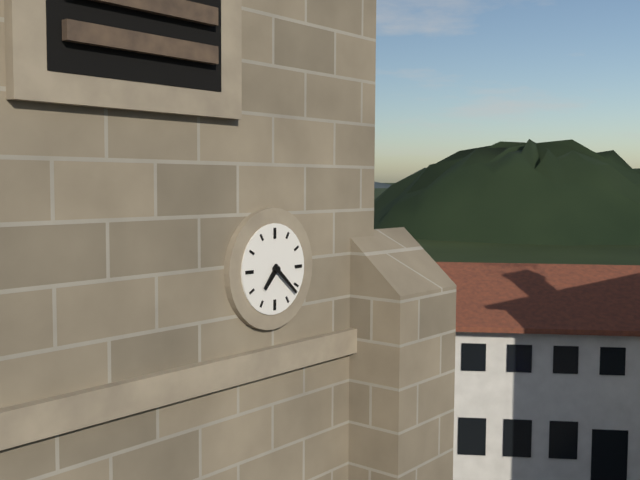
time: **7:22**
